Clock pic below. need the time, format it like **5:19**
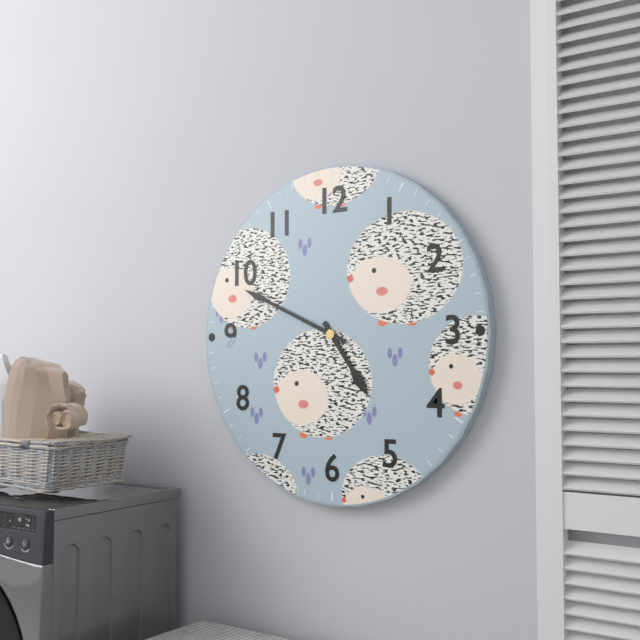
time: **4:49**
